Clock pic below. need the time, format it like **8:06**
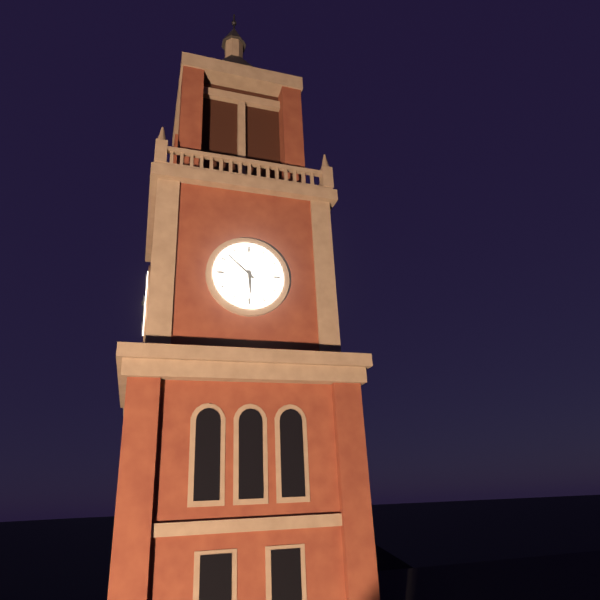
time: **5:52**
